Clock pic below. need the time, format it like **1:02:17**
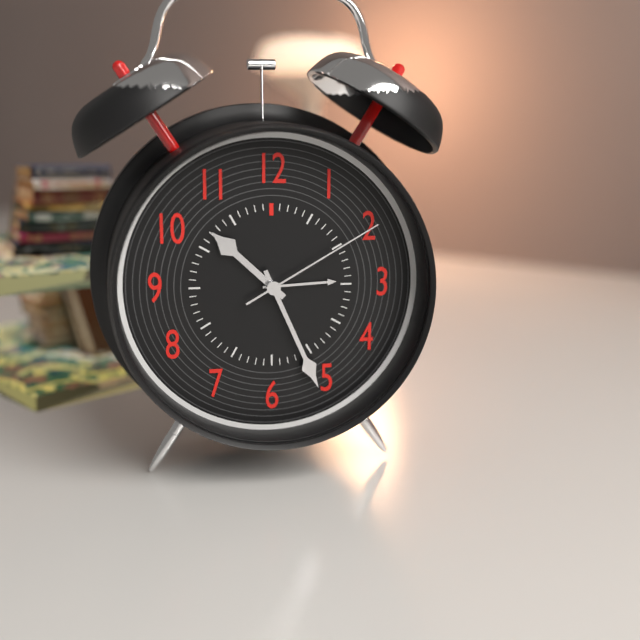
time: **10:26:10**
